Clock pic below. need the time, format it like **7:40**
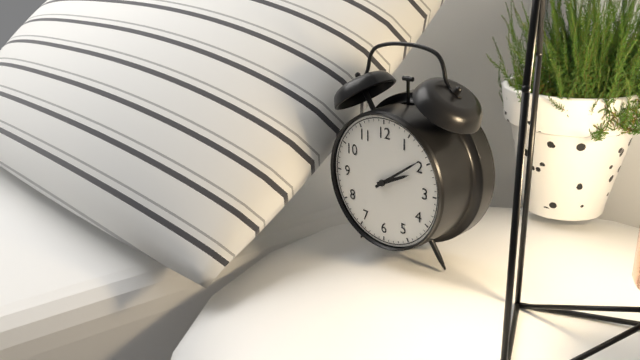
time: **2:09**
